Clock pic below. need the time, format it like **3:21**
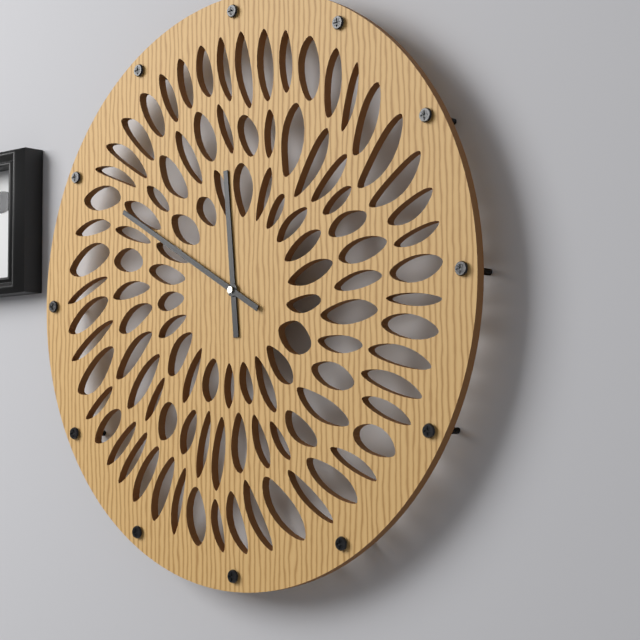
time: **11:50**
